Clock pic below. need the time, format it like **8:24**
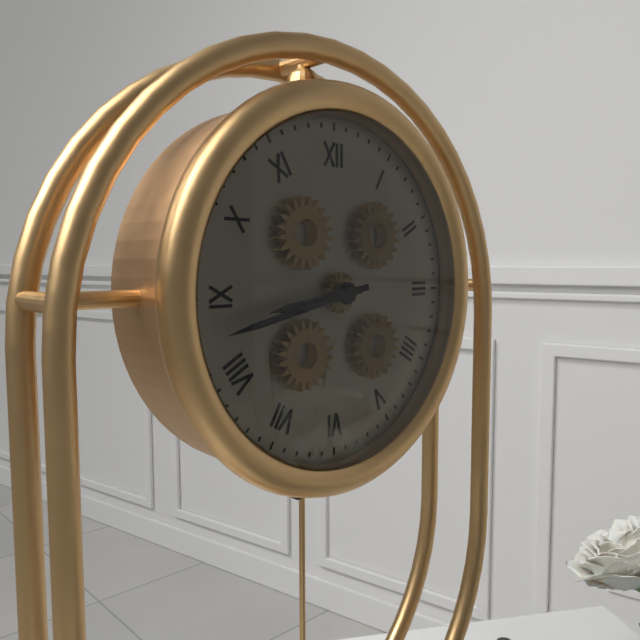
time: **8:43**
